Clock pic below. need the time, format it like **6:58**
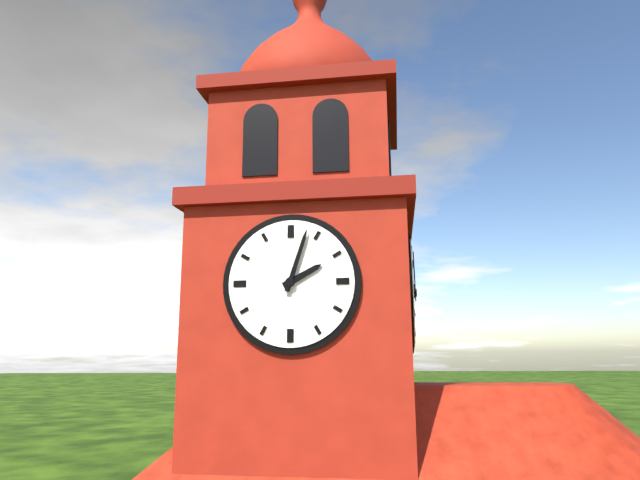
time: **2:03**
